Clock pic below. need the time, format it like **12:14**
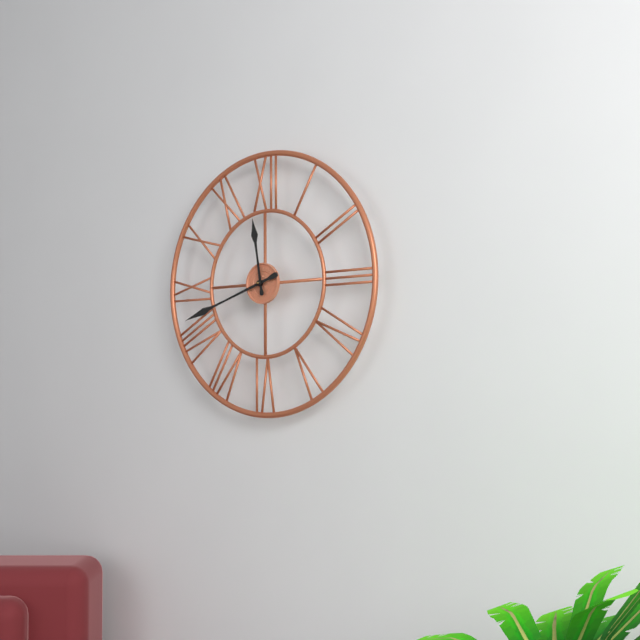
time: **11:42**
